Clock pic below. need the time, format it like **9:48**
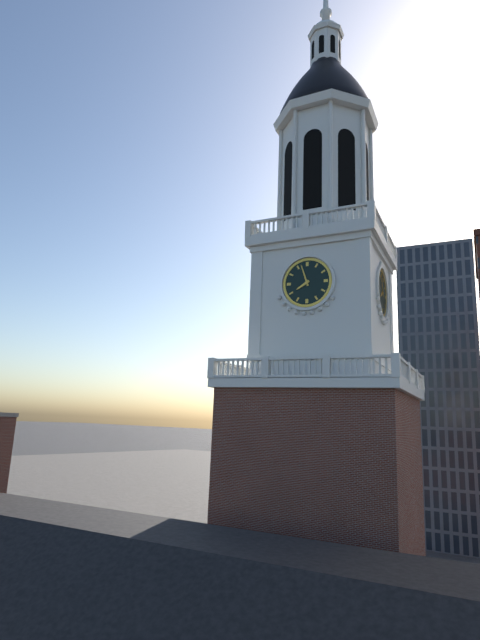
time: **7:57**
